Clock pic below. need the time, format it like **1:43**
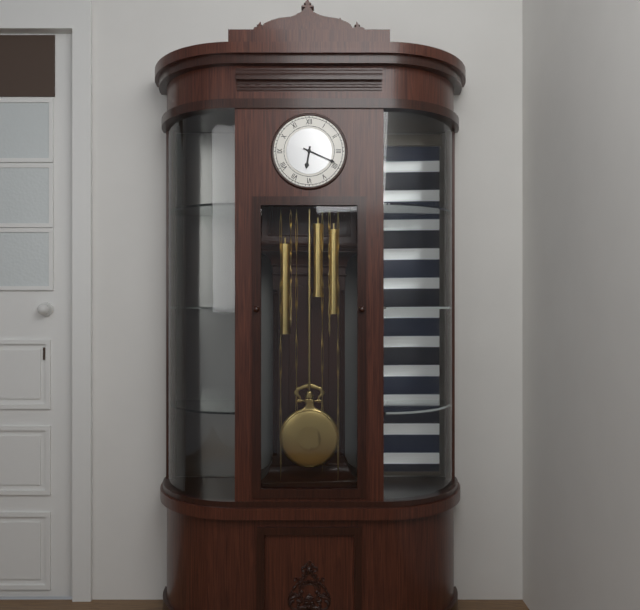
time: **6:19**
